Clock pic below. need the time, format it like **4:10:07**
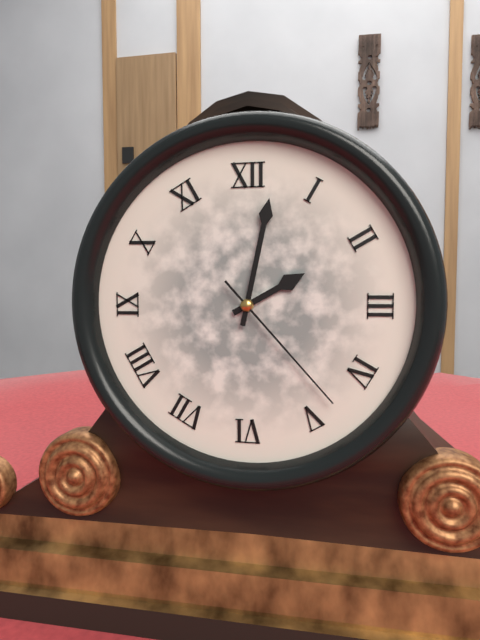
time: **2:02:23**
